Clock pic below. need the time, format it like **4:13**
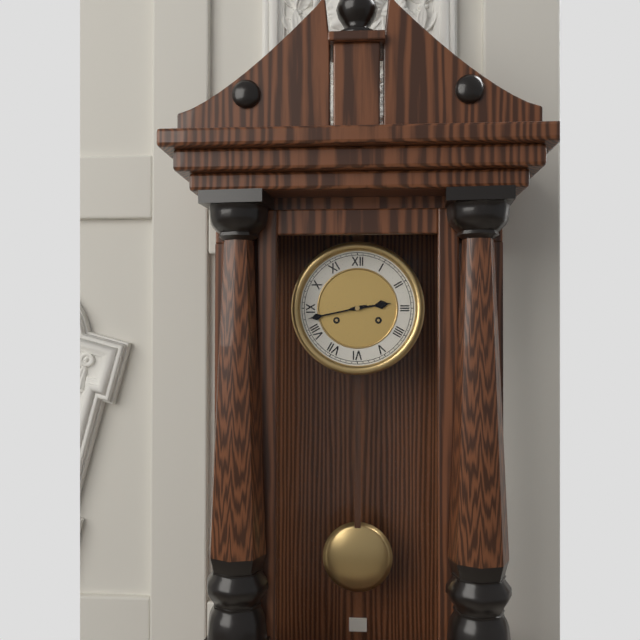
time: **2:43**
